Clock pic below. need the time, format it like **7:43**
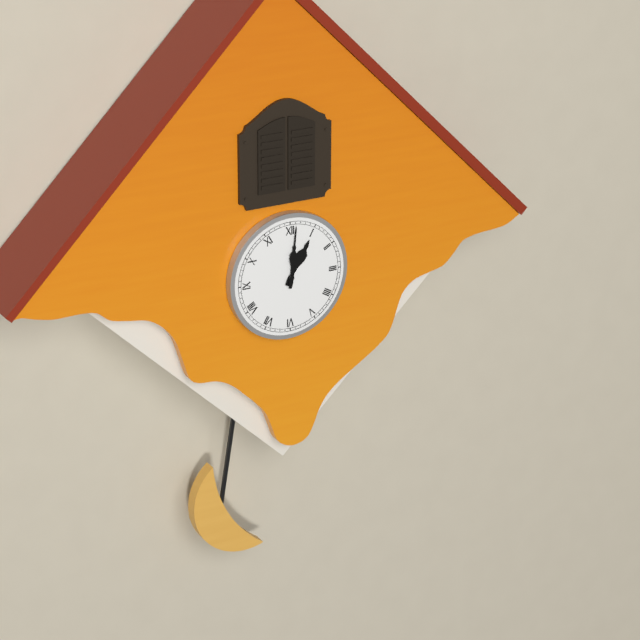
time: **1:01**
